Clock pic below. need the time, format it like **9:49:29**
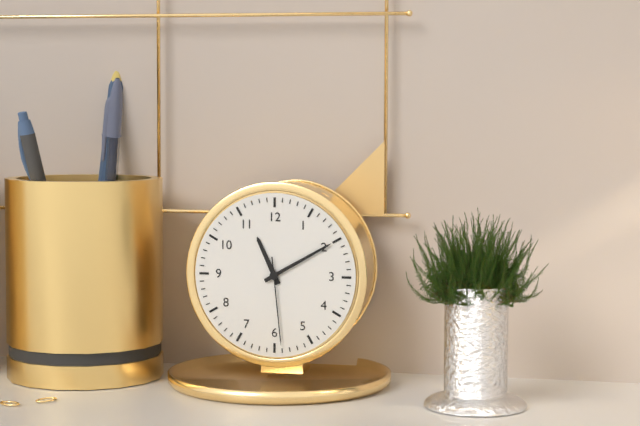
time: **11:10:29**
